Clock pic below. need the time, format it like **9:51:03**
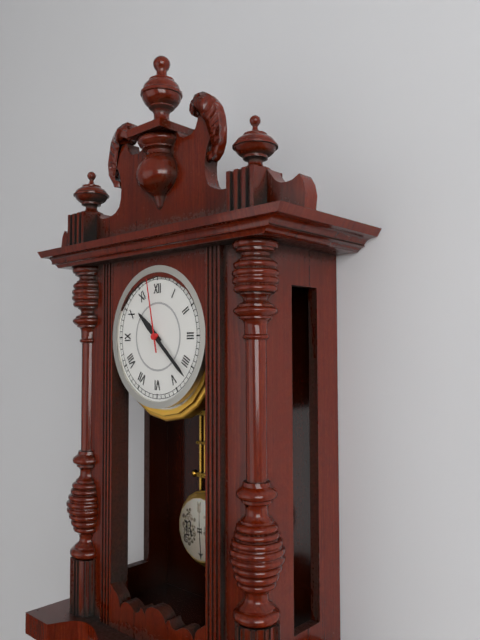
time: **10:22:58**
